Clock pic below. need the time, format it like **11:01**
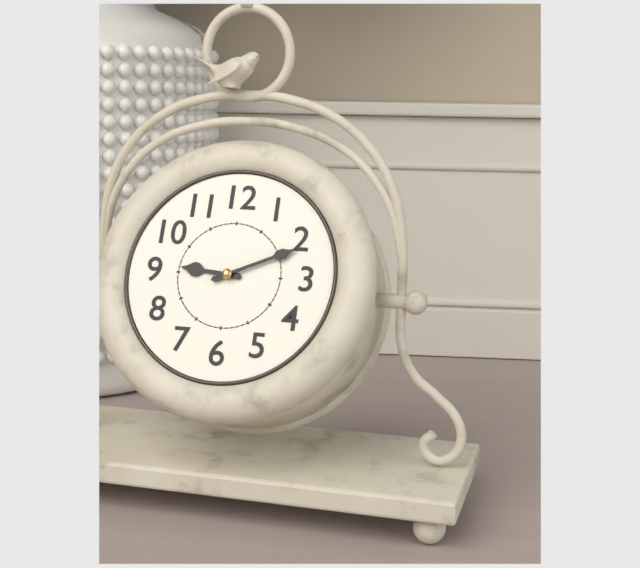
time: **9:11**
